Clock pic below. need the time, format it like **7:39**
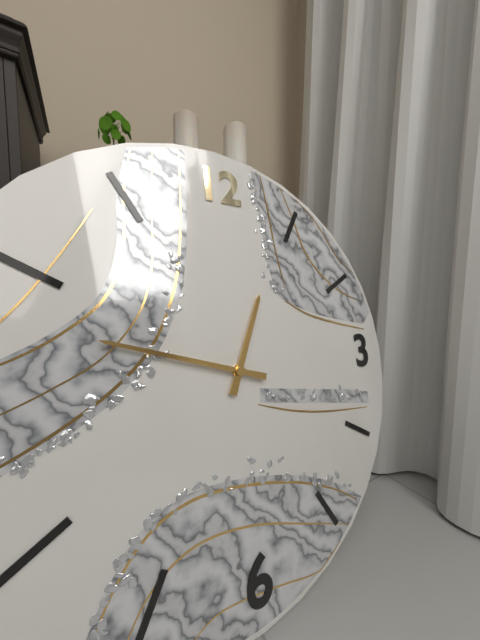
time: **12:48**
